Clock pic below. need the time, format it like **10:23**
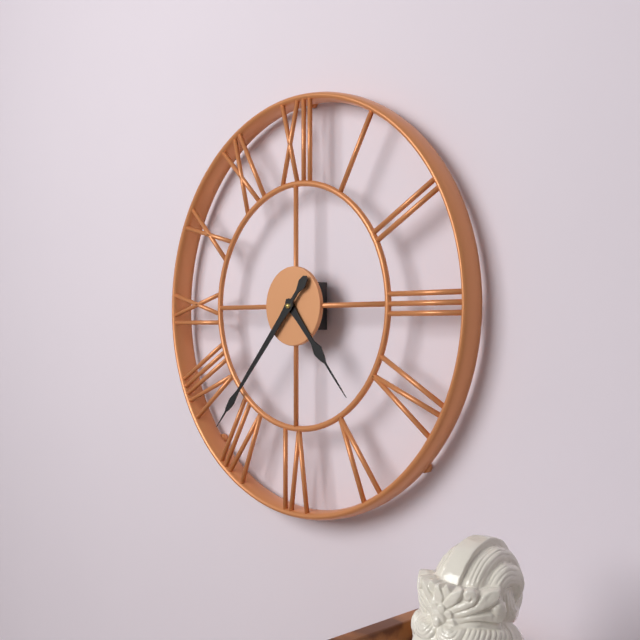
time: **4:37**
